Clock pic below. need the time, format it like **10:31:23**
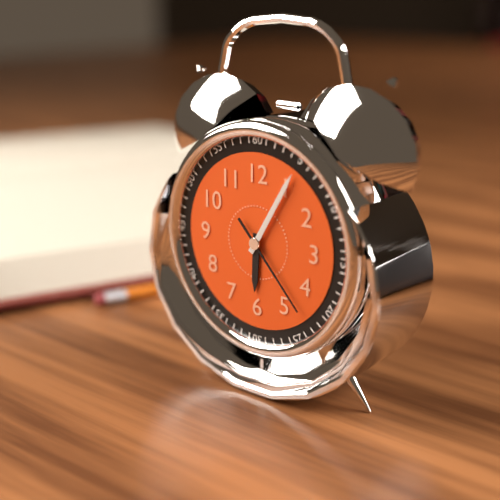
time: **6:05:23**
